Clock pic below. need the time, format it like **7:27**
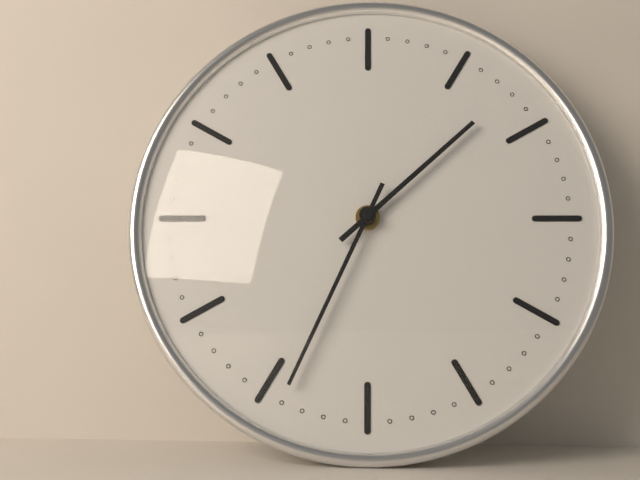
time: **1:34**
